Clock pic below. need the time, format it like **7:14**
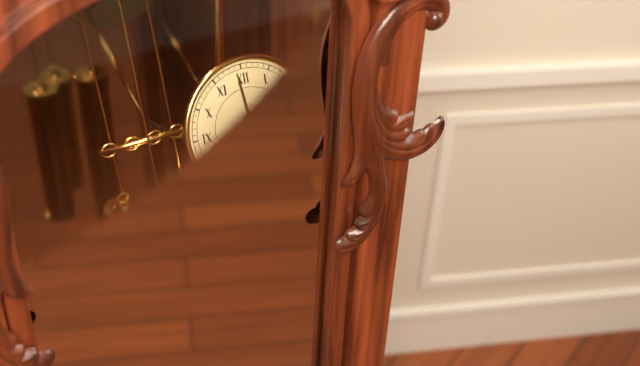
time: **6:59**
